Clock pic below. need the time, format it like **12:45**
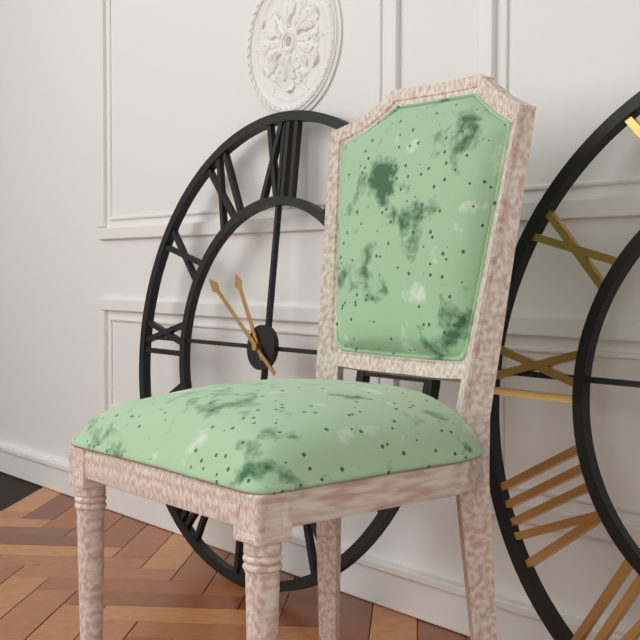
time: **10:51**
